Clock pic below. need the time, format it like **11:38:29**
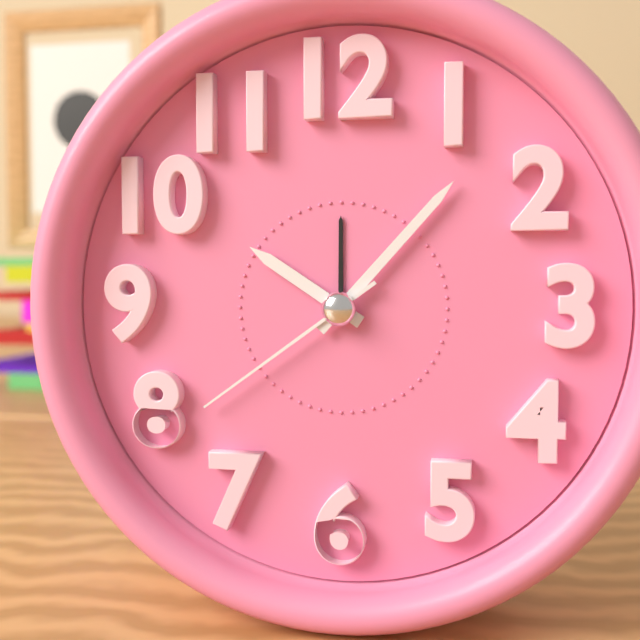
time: **10:07:39**
